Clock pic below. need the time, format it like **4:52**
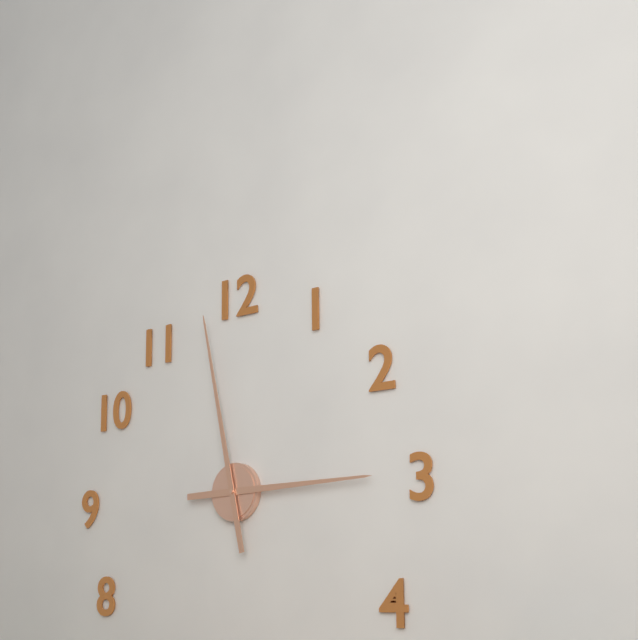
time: **2:58**
